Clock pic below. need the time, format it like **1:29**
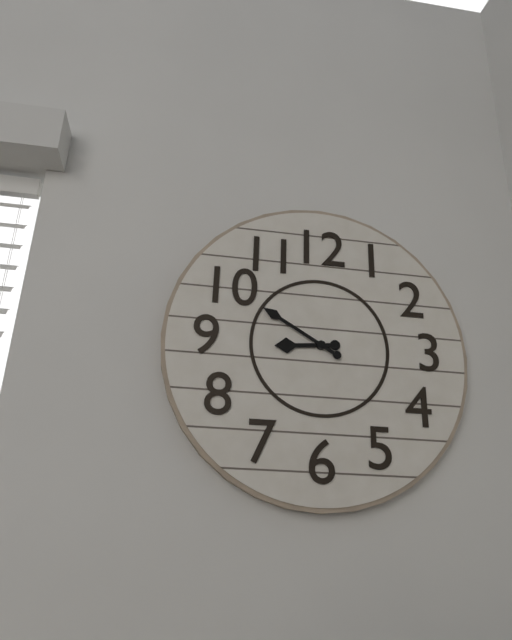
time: **8:50**
